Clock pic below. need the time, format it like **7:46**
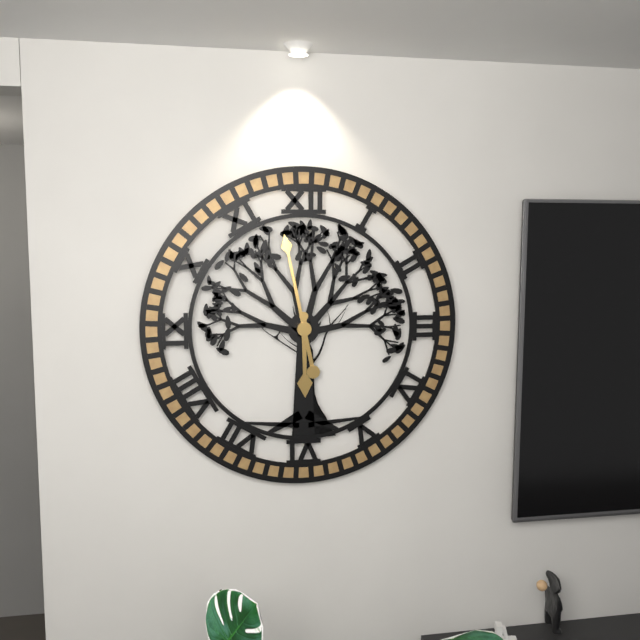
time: **5:58**
